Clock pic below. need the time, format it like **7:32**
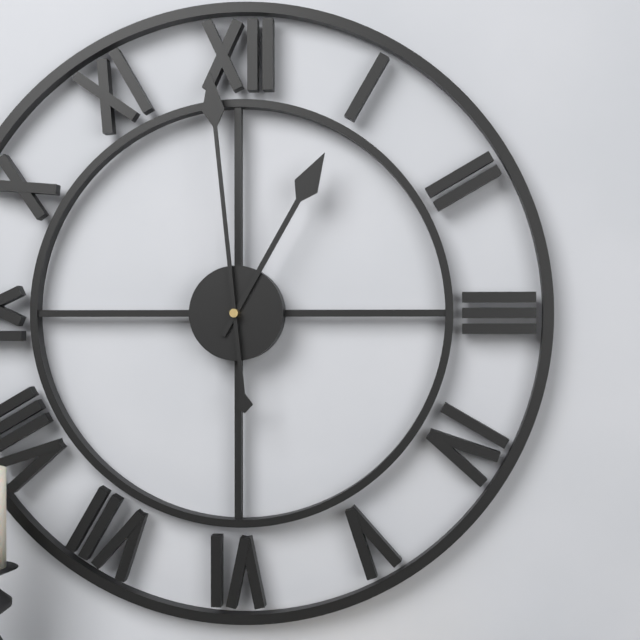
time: **12:59**
